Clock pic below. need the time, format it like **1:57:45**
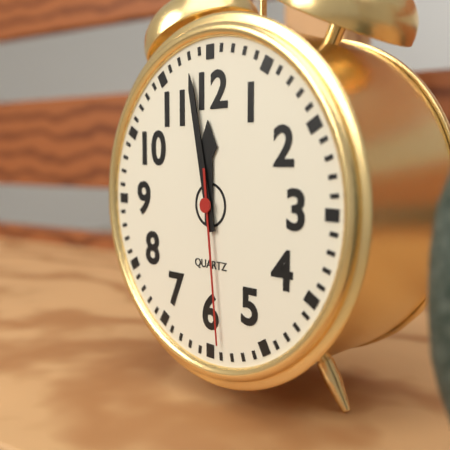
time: **11:58:29**
